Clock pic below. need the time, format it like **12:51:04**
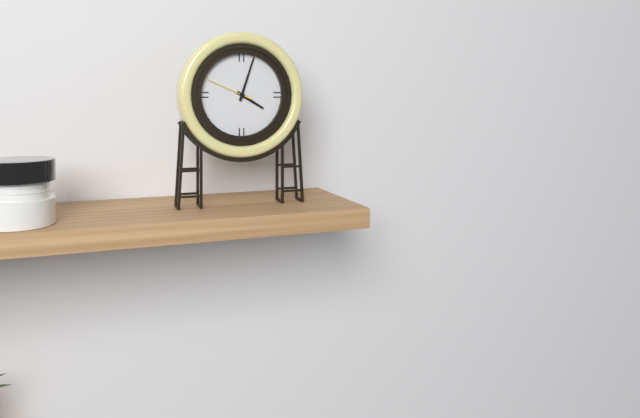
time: **4:03:49**
